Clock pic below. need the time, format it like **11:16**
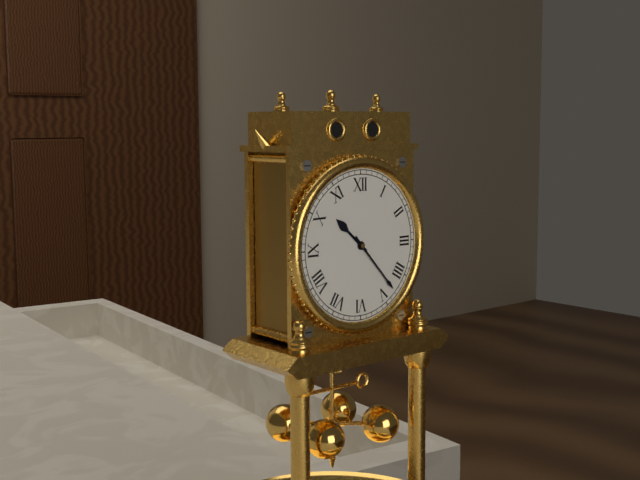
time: **10:23**
